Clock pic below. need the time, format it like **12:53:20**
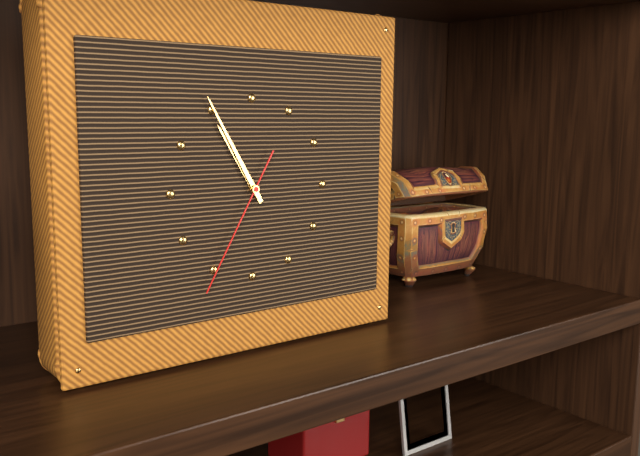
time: **10:55:35**
